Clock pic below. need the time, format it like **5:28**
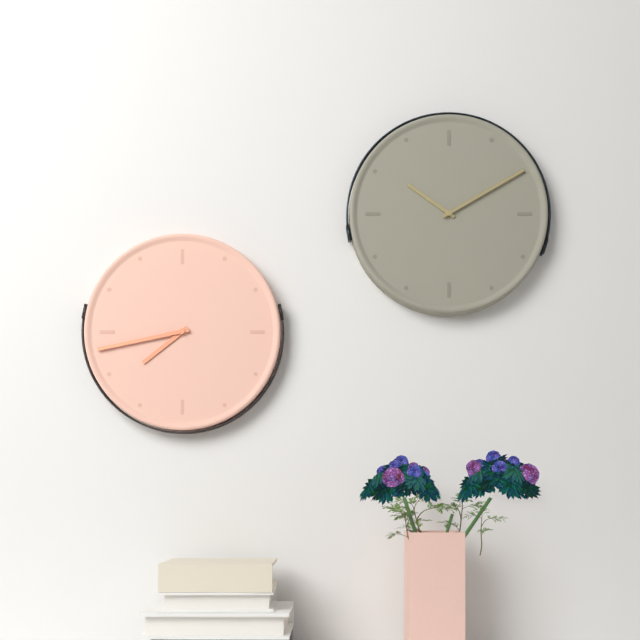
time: **7:43**
